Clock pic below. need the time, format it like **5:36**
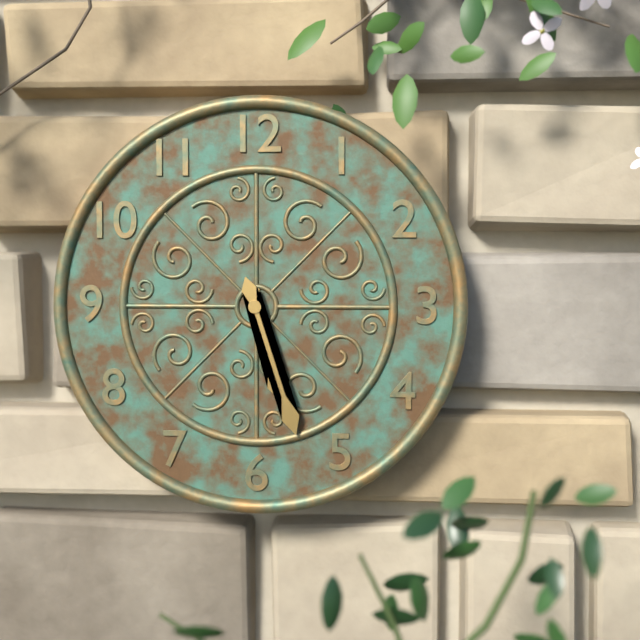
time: **5:27**
